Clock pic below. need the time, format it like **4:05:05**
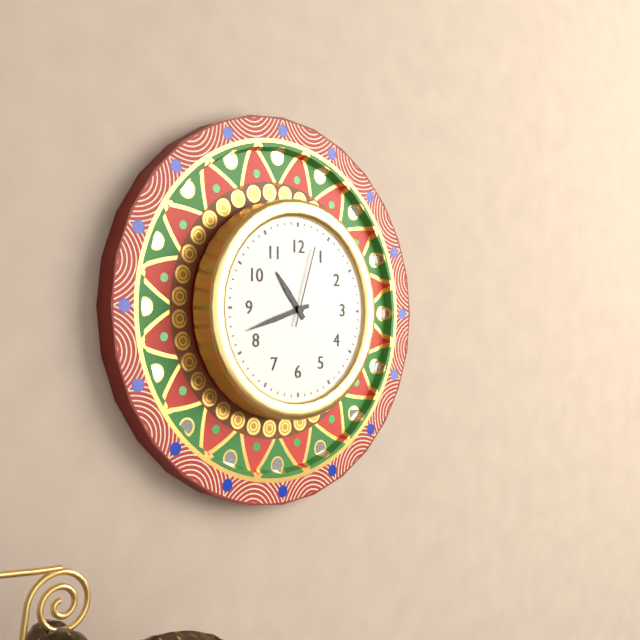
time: **10:42:03**
